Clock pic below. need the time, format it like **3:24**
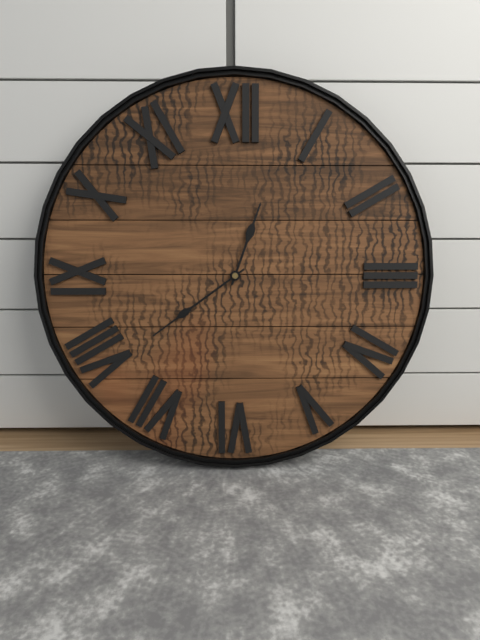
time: **12:39**
